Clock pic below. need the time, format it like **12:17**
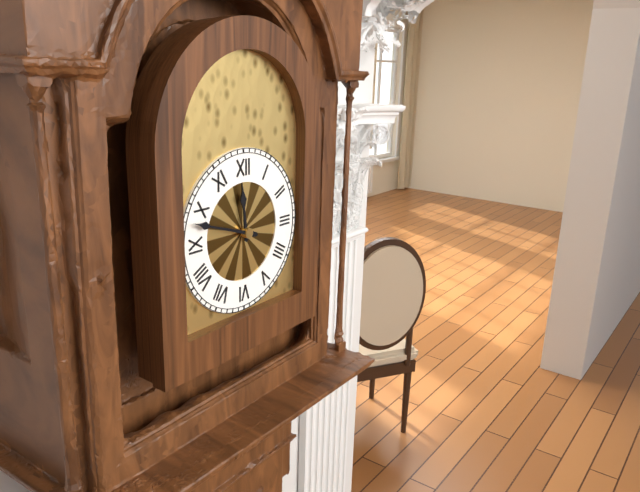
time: **11:48**
